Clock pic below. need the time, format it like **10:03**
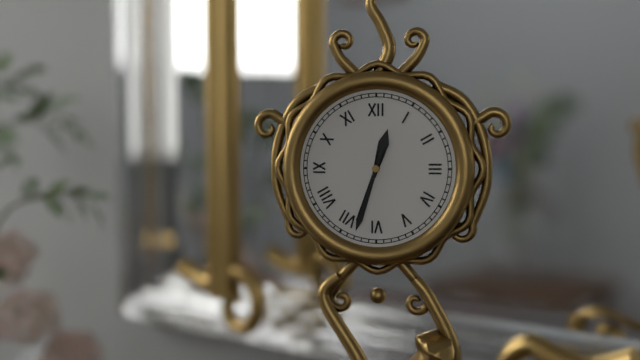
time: **12:33**
